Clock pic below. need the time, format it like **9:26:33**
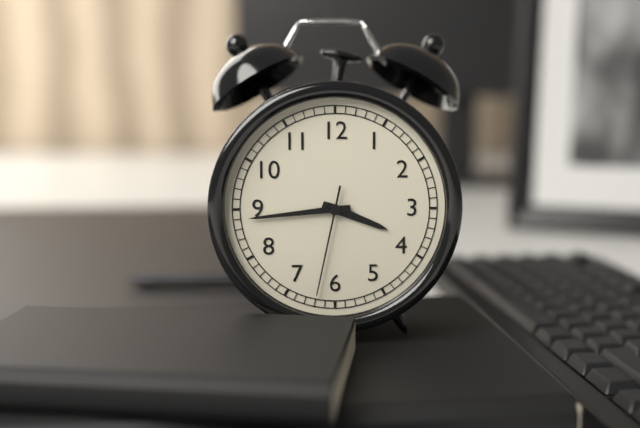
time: **3:44:32**
